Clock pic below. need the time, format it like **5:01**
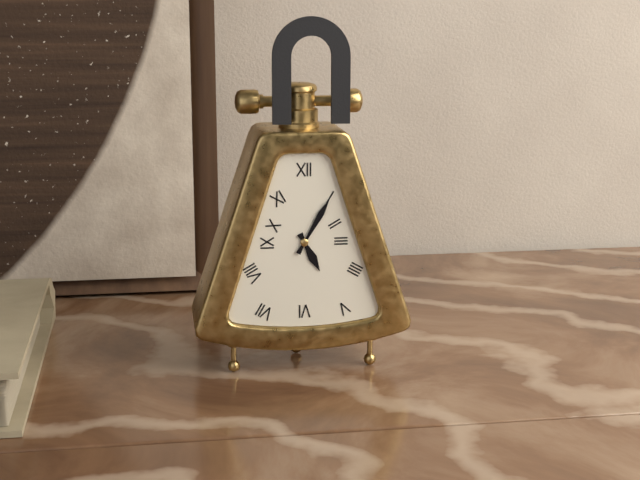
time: **5:05**
